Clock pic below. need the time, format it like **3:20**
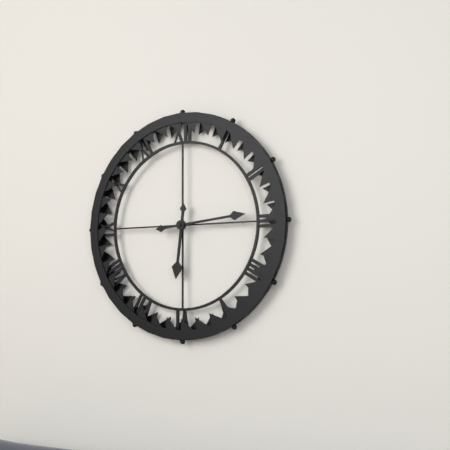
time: **6:14**
